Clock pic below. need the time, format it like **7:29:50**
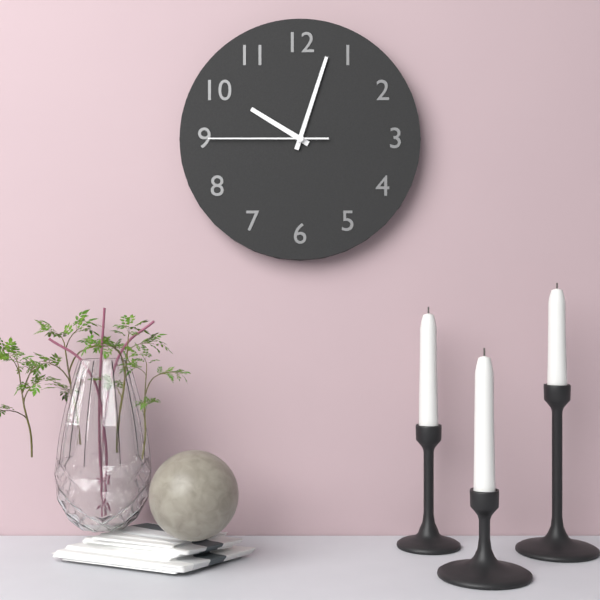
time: **10:03:45**
